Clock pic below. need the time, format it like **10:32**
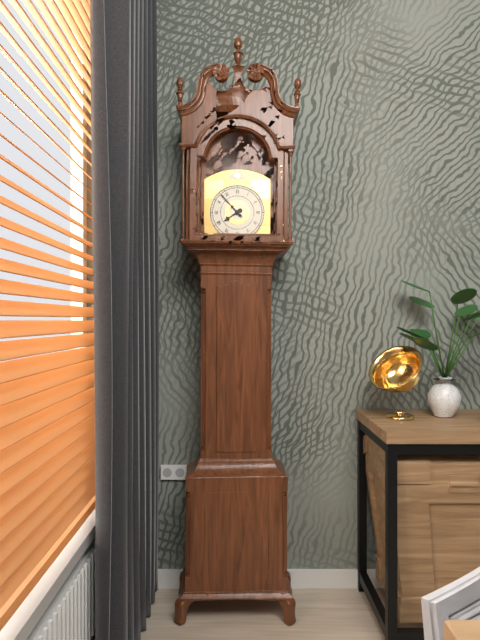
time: **7:53**
